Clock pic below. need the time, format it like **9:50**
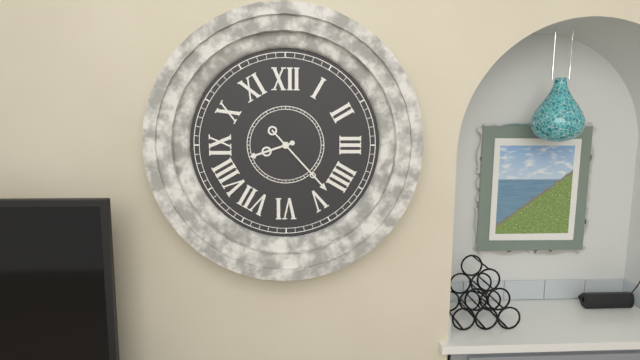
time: **8:23**
